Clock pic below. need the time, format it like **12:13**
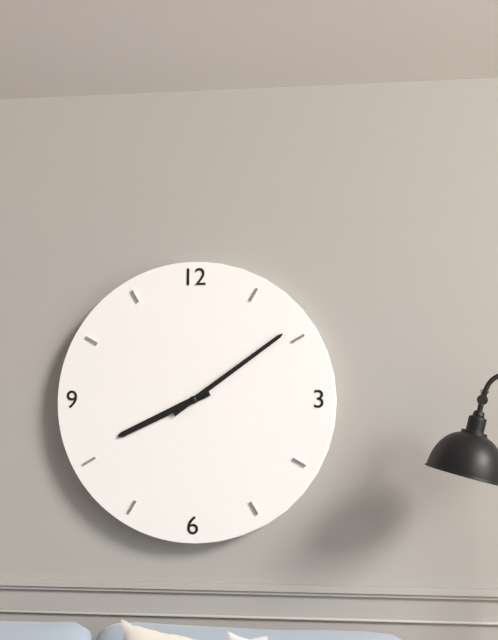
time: **8:09**
